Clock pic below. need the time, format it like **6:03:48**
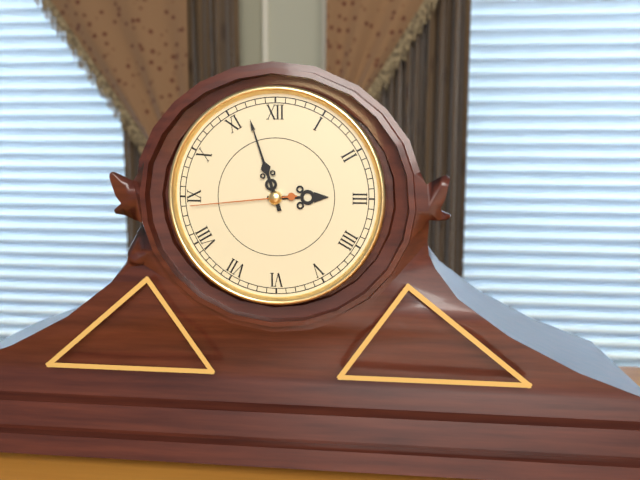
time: **2:57:44**
